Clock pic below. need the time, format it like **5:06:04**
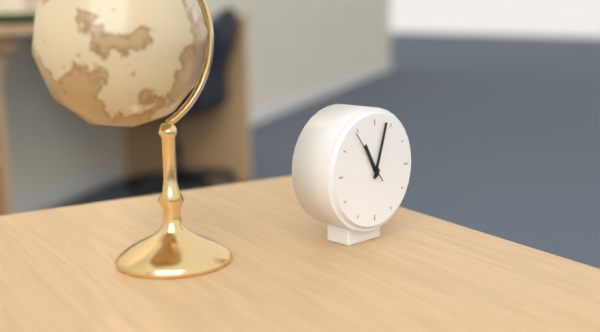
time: **11:03:54**
